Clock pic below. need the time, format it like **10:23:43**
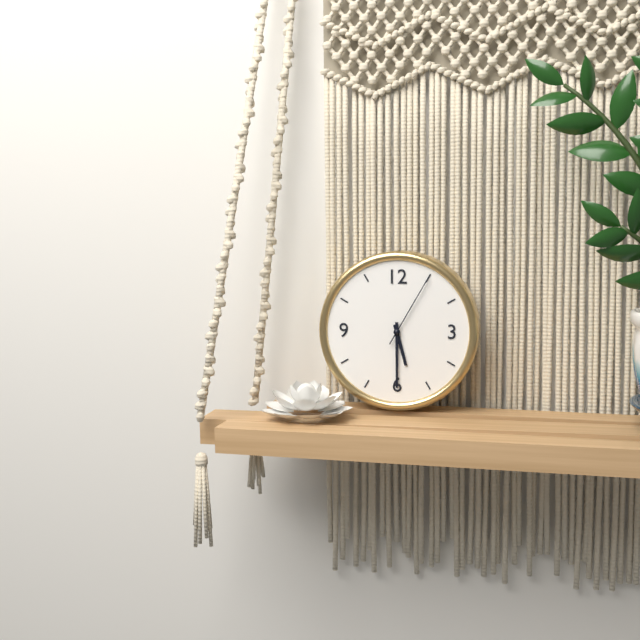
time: **5:30:05**
